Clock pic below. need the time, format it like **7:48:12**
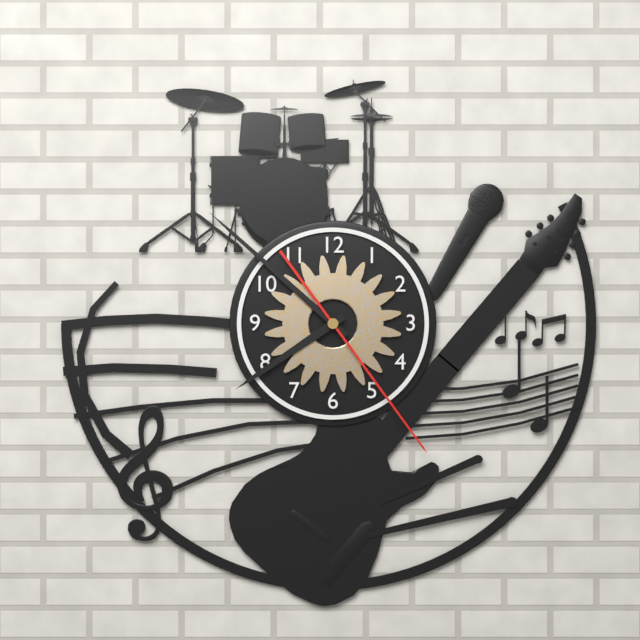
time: **7:52:24**
